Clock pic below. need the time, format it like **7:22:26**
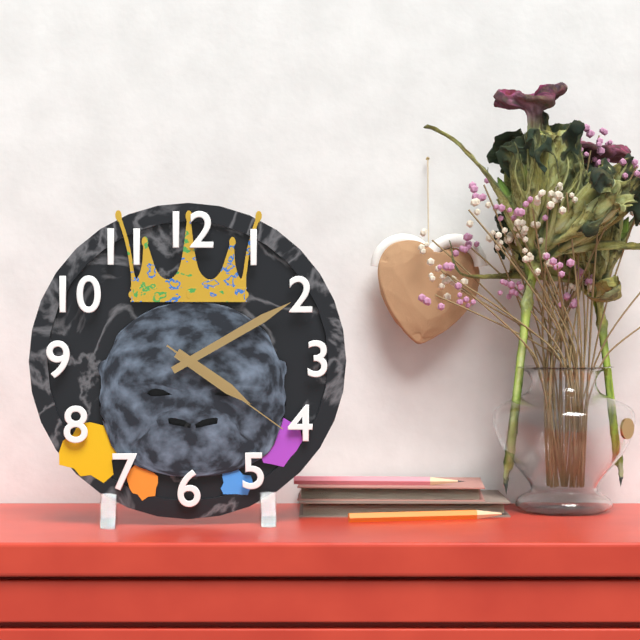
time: **4:10:21**
